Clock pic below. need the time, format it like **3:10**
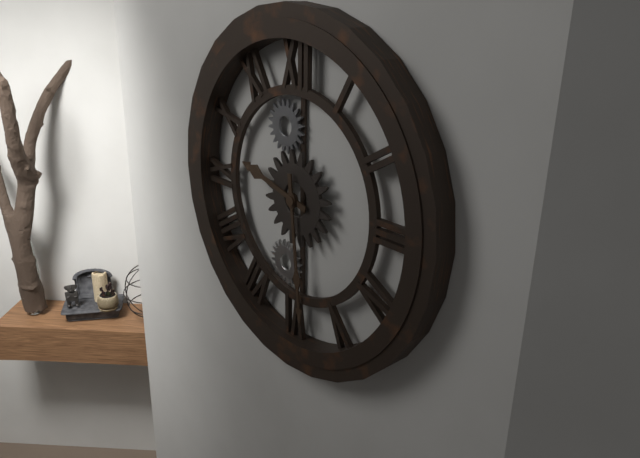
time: **9:29**
